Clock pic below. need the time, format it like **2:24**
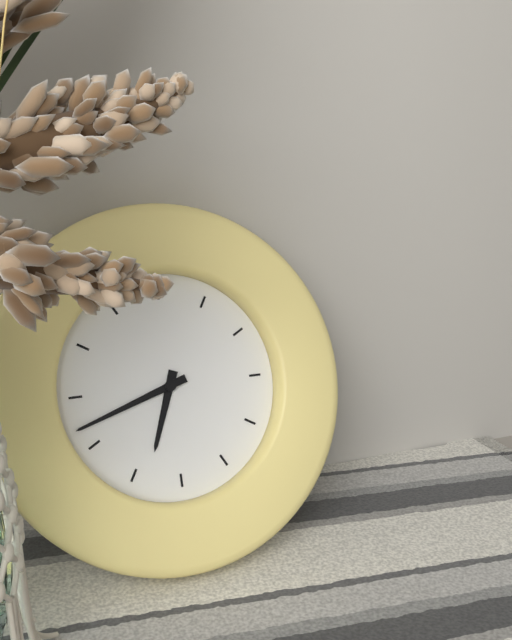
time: **6:42**
